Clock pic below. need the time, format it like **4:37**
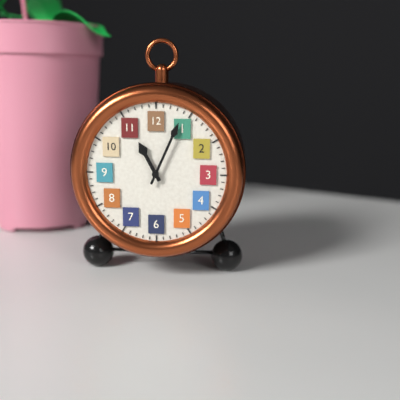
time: **11:04**
